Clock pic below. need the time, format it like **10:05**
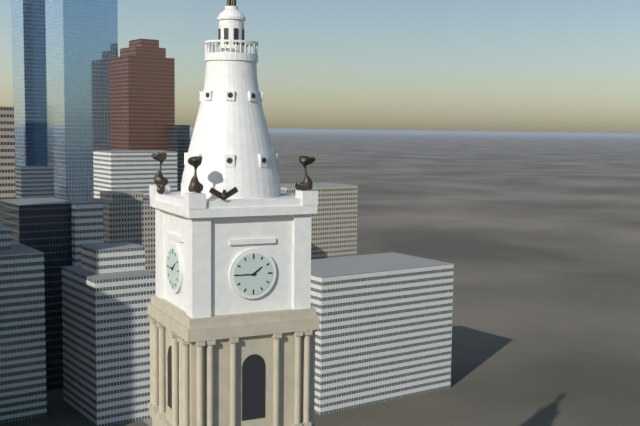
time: **1:45**
